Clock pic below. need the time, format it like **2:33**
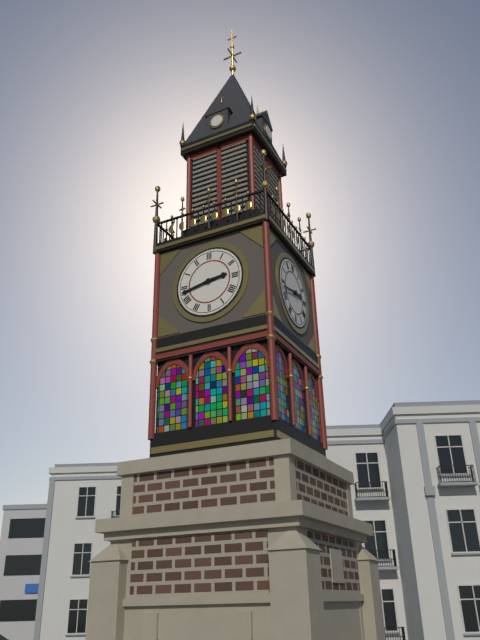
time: **2:43**
